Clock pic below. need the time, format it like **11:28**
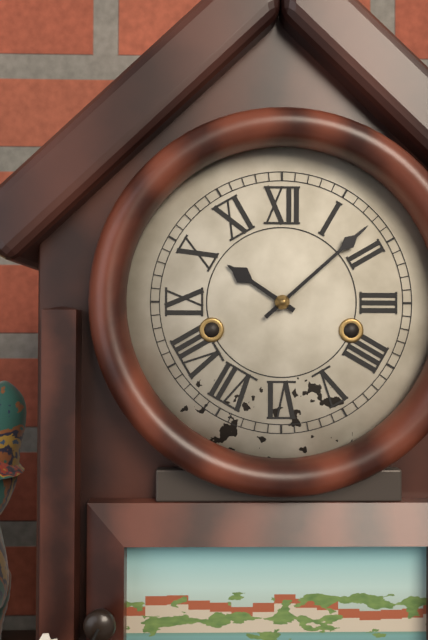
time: **10:08**
